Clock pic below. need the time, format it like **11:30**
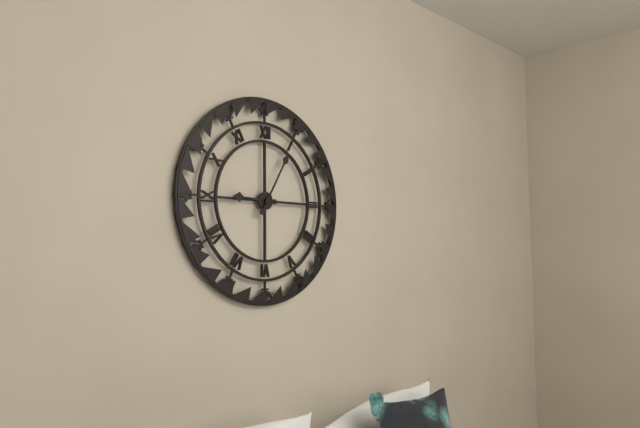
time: **9:05**
